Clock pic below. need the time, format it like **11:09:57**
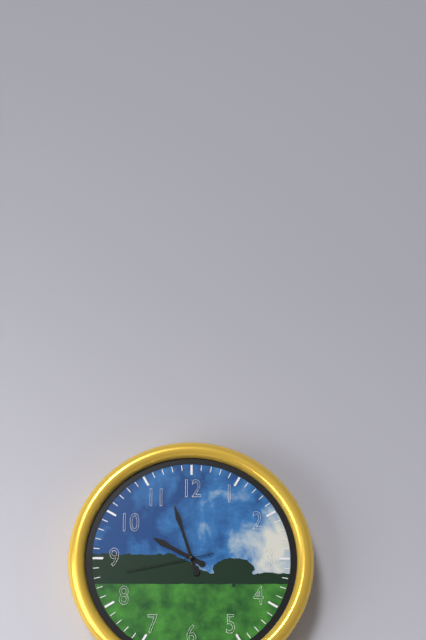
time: **9:57:43**
